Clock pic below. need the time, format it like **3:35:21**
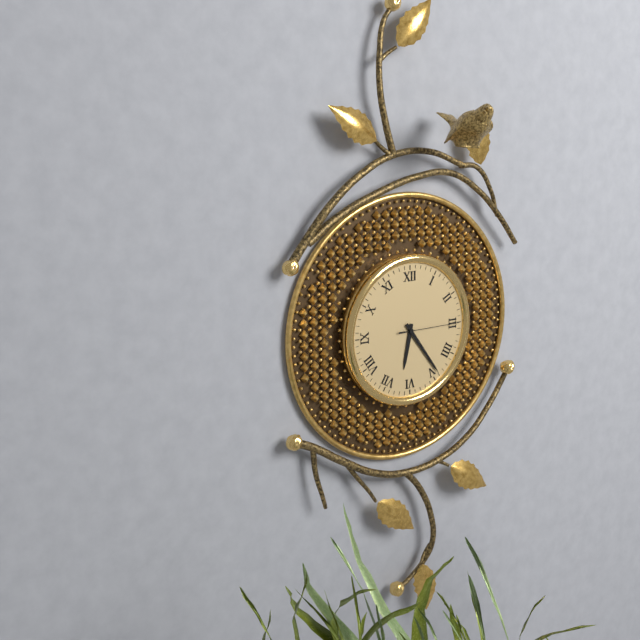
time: **6:24:15**
